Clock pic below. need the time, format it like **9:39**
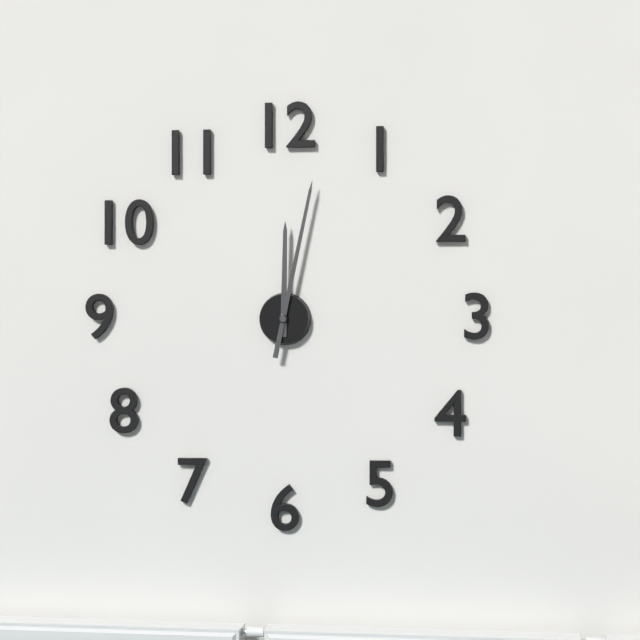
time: **12:02**
